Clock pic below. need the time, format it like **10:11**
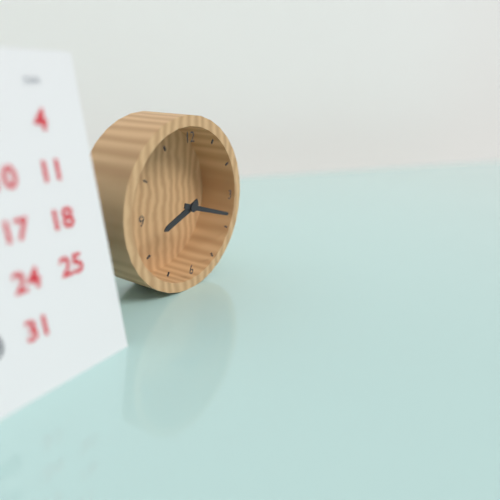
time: **8:18**
